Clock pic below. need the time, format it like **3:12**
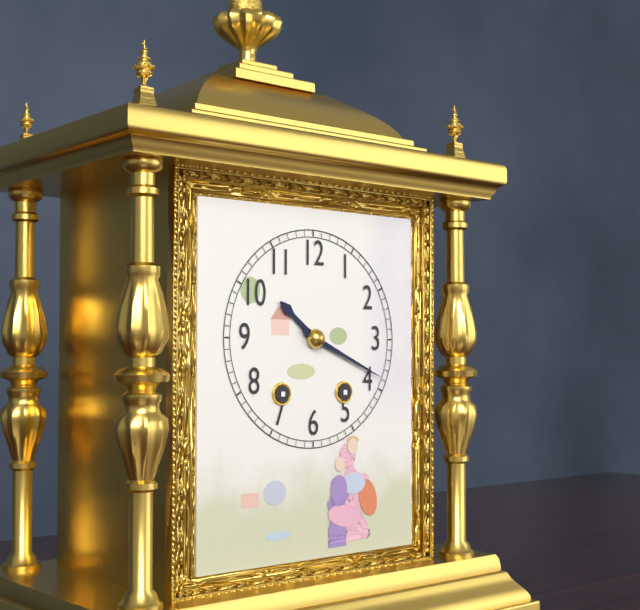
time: **10:19**
